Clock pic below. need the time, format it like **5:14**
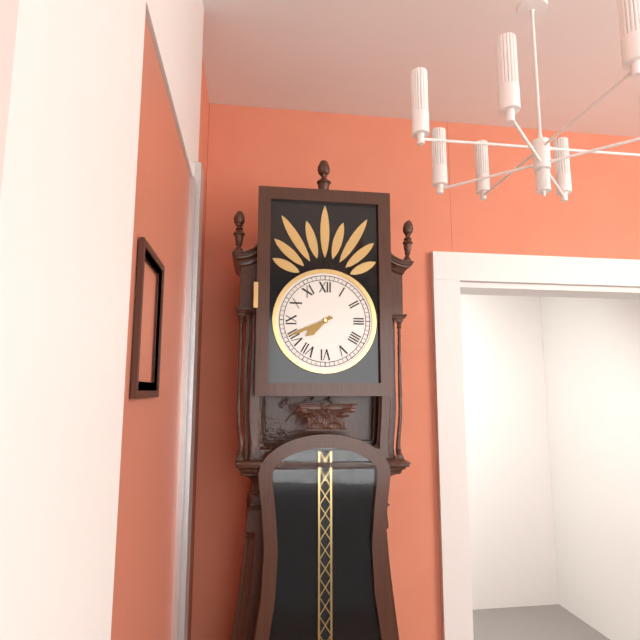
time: **7:41**
